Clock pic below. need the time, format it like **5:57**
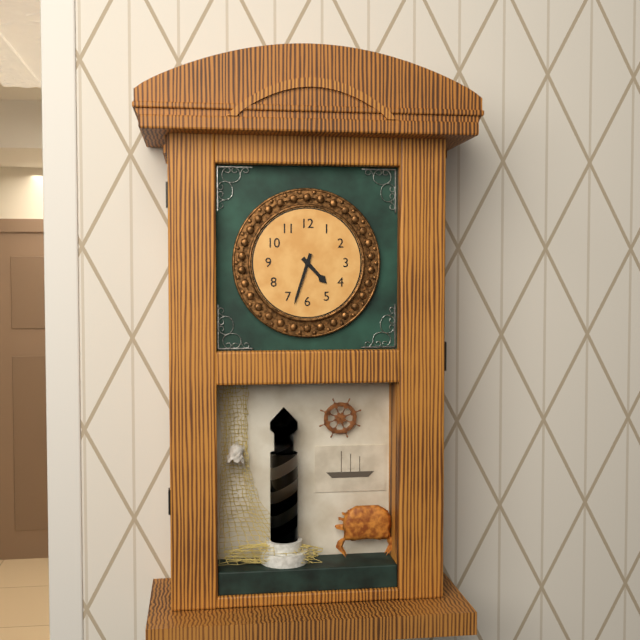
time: **4:33**
